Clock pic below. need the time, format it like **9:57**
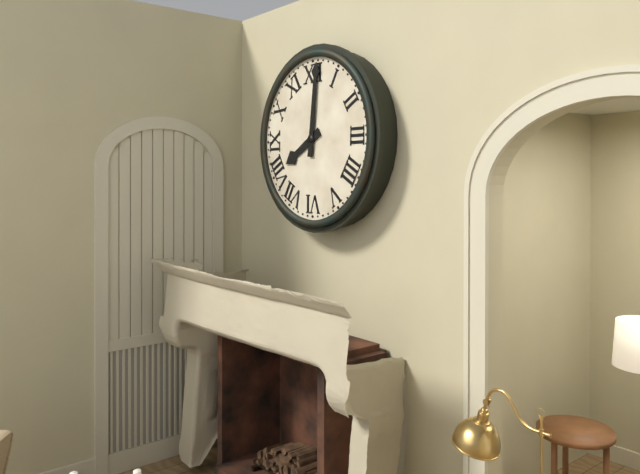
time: **8:01**
